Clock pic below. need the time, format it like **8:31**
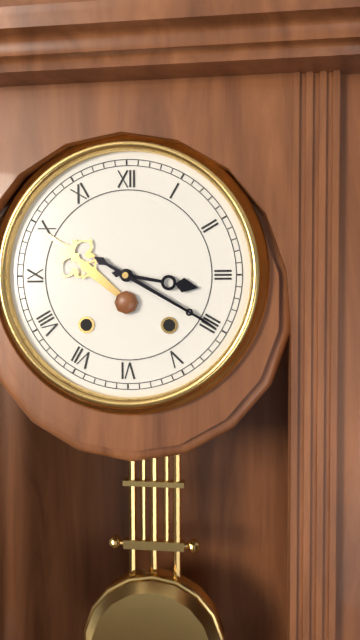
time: **3:20**
